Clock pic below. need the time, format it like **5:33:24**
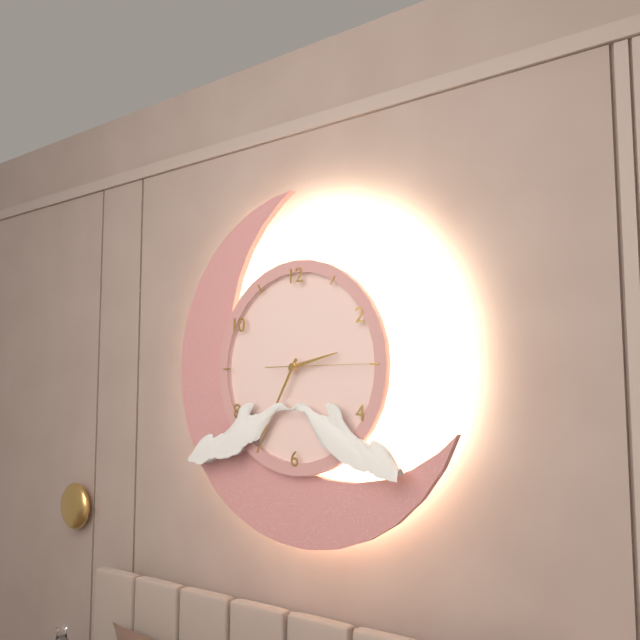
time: **2:35:15**
